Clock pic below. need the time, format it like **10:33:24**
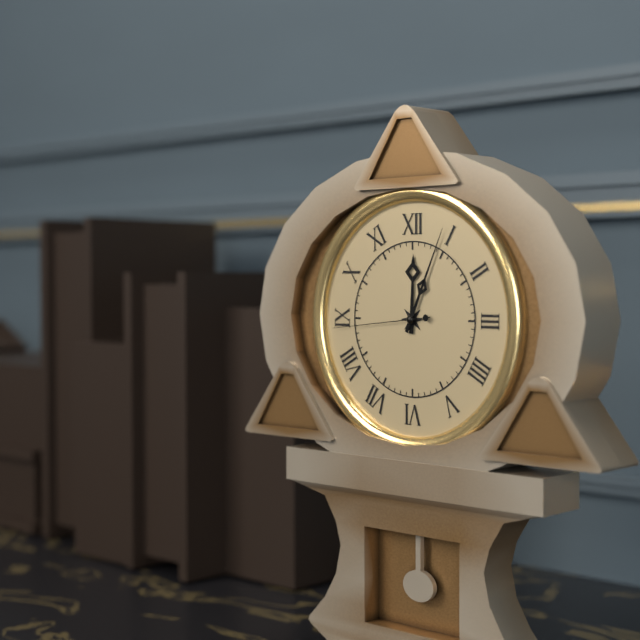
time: **12:04:44**
